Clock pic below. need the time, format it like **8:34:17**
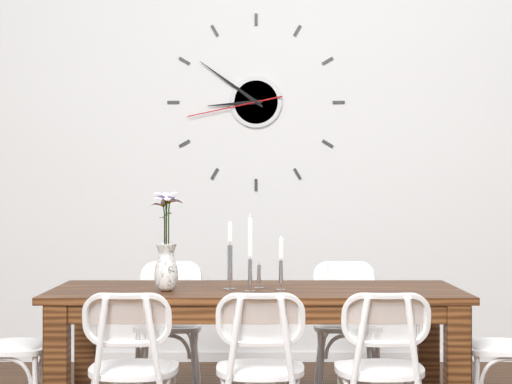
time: **8:51:43**
